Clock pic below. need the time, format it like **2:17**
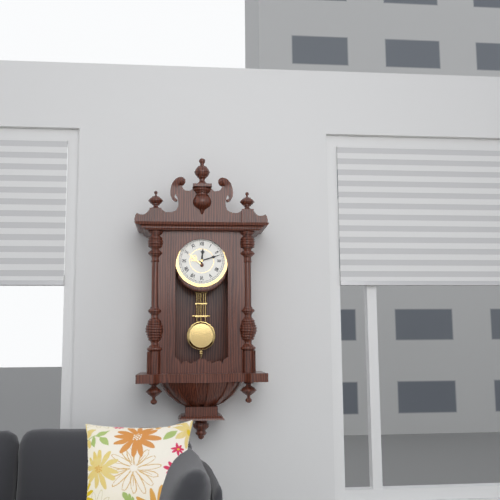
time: **12:12**
